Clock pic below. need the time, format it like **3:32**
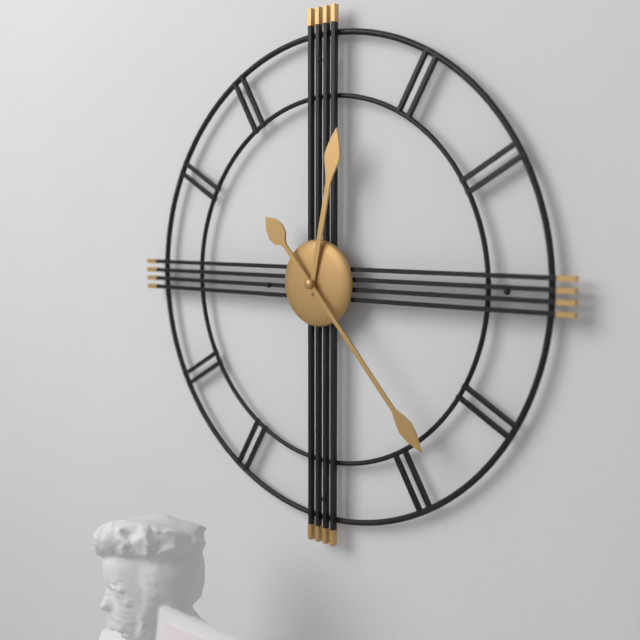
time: **12:23**
